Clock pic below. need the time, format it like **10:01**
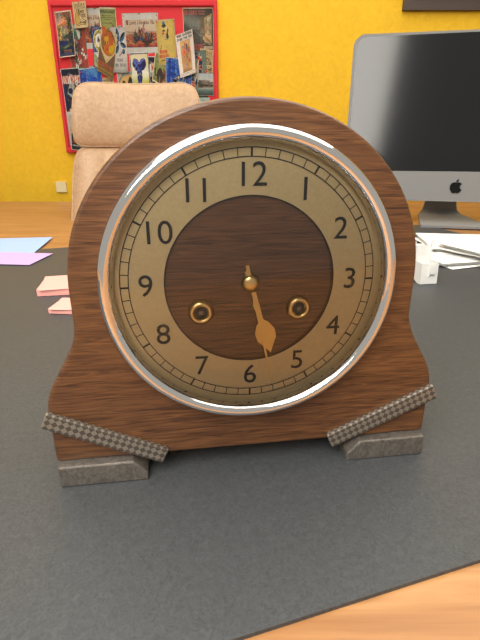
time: **5:28**
